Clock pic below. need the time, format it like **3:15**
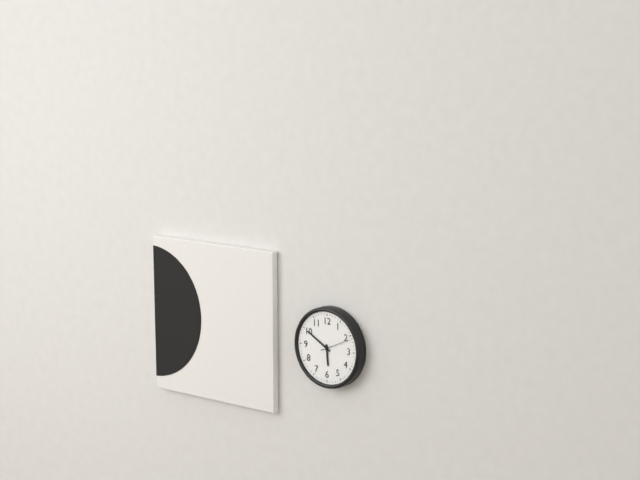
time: **5:50**
